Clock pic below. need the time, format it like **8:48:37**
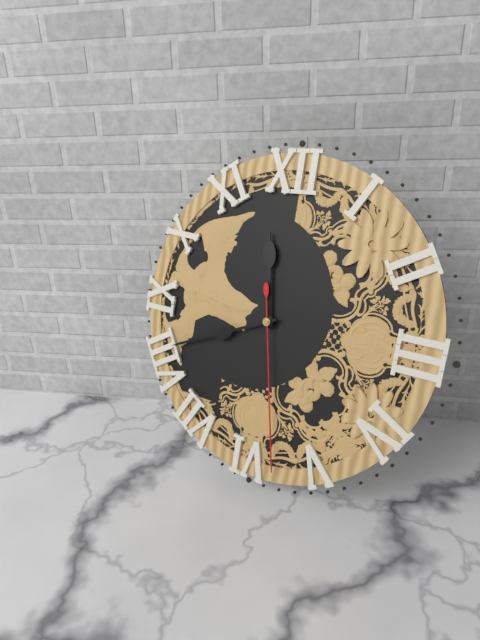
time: **11:41:28**
